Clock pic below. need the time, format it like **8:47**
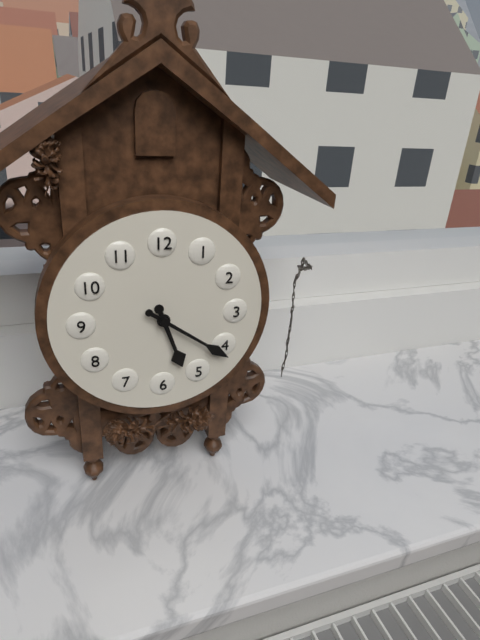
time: **5:21**
